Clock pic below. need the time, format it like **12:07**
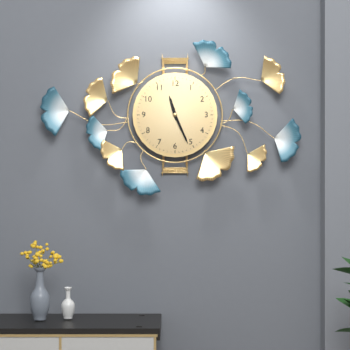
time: **11:26**
